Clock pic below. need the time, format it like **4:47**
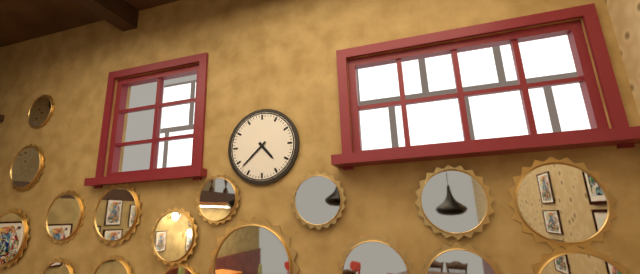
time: **4:38**
